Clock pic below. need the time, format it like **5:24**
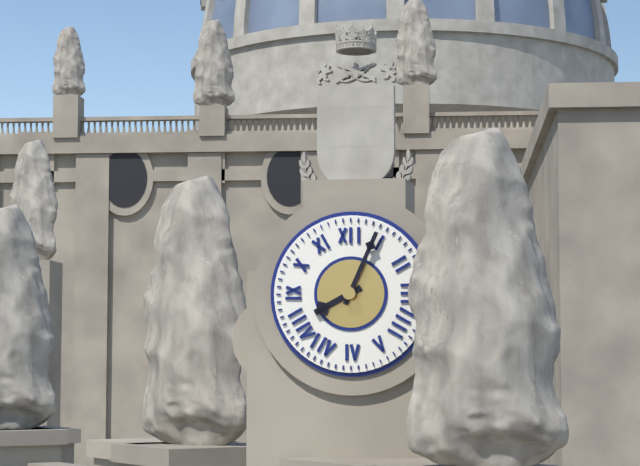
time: **8:04**
